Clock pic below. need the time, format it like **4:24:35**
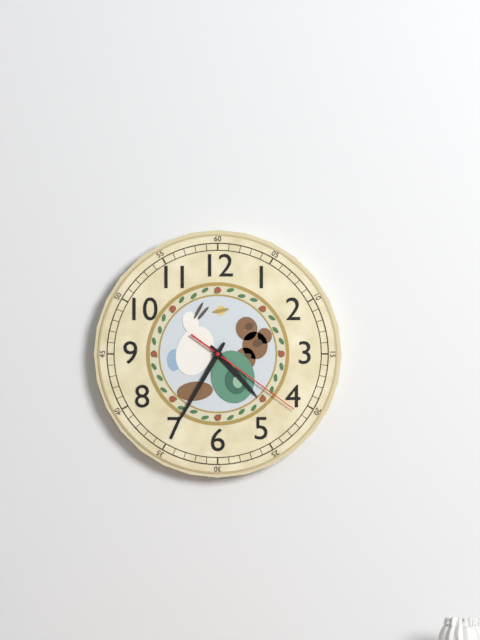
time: **4:35:21**
